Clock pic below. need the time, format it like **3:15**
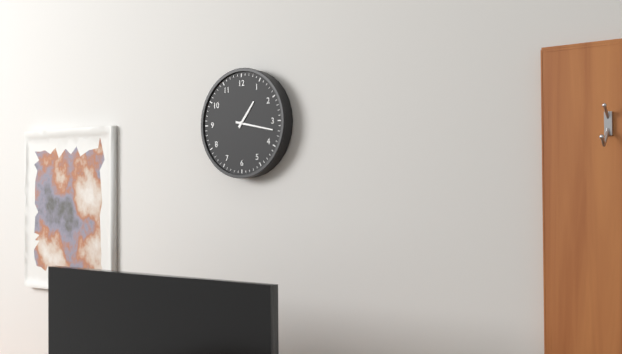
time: **1:17**
